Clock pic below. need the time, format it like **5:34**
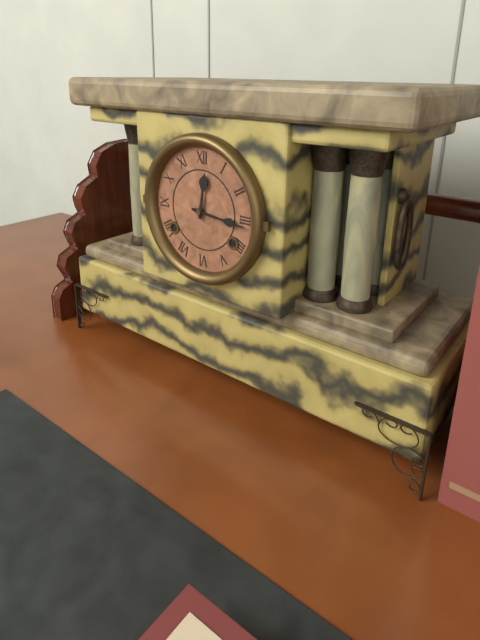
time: **12:16**
